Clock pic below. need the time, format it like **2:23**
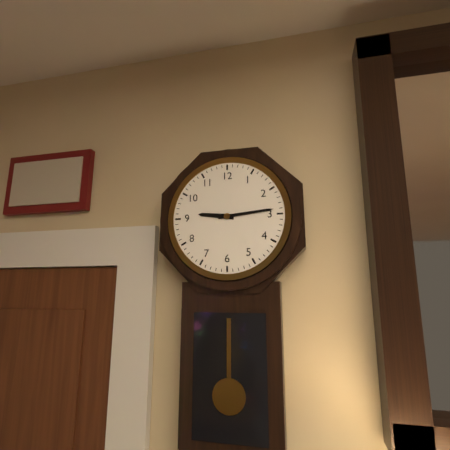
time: **9:14**
